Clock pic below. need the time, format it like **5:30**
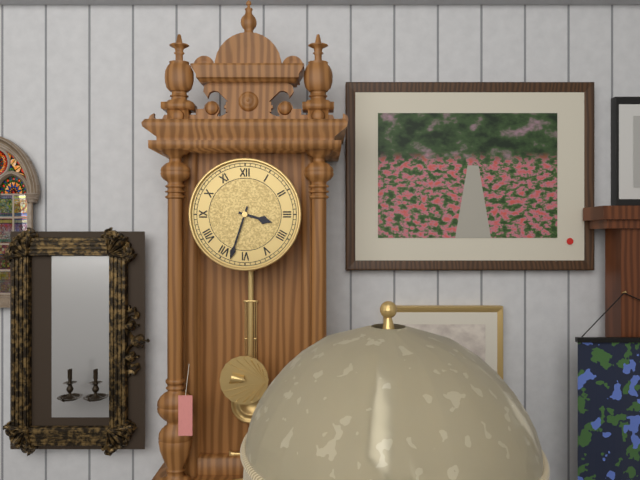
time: **3:33**
